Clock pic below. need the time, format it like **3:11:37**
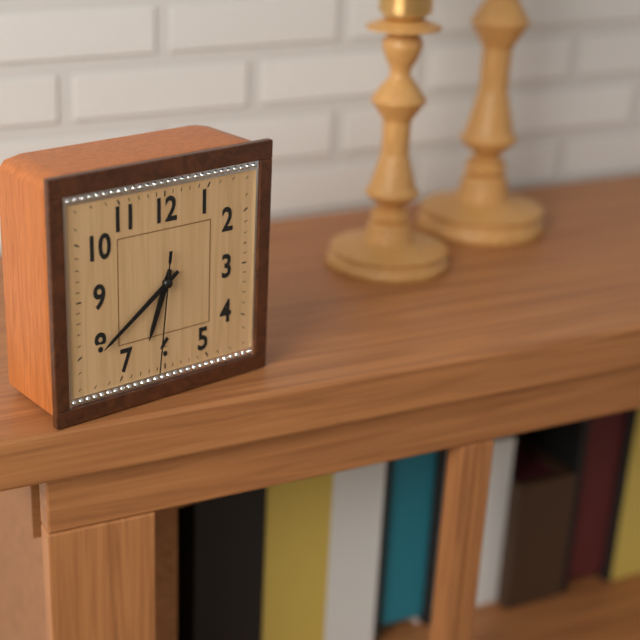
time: **6:39:31**
